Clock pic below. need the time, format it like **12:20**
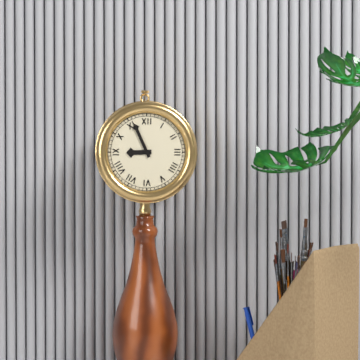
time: **8:56**
